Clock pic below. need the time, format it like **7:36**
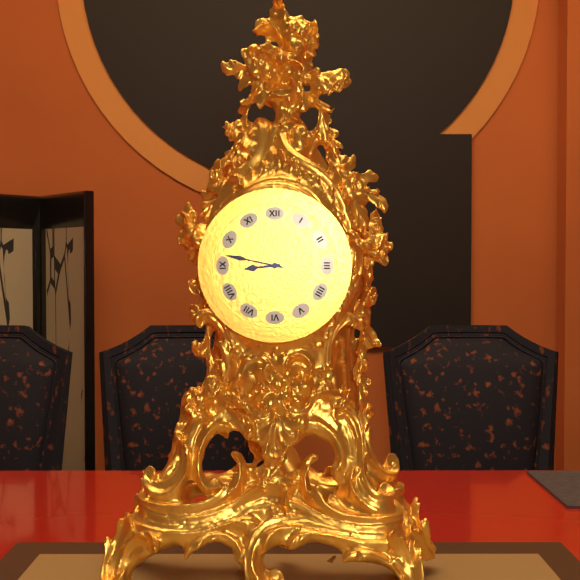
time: **8:47**
